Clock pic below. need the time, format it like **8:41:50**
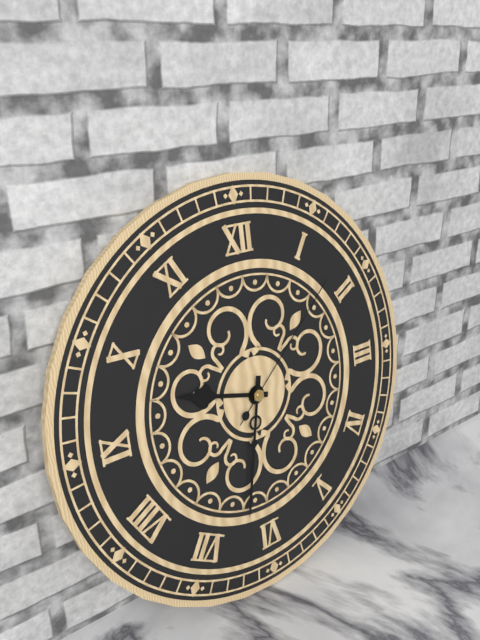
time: **9:32:08**
